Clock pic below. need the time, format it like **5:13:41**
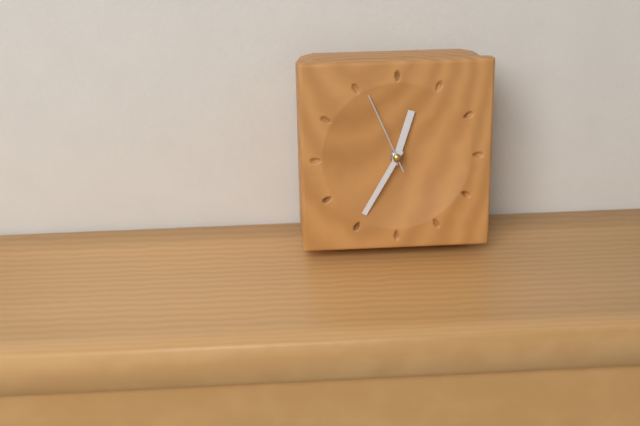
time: **12:35:56**
